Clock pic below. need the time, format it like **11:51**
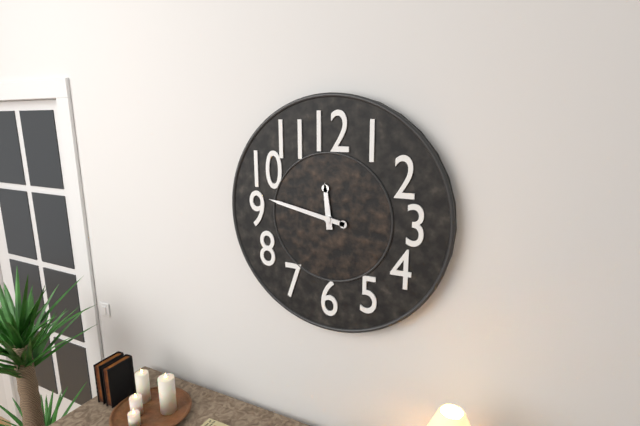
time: **11:47**
